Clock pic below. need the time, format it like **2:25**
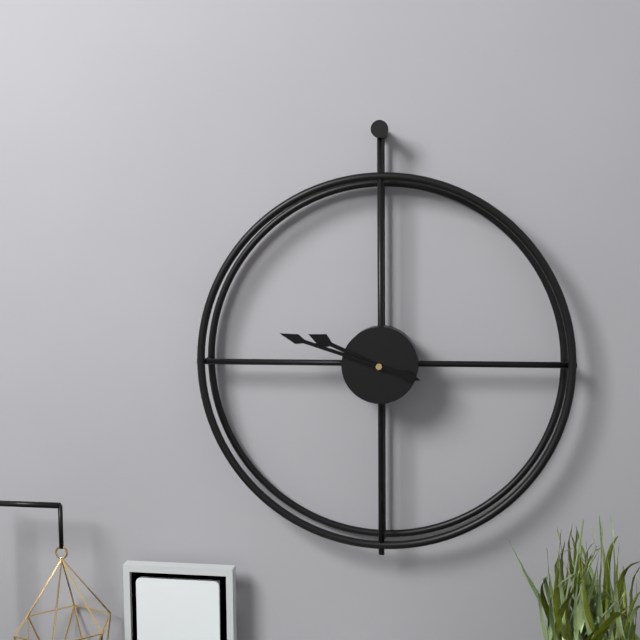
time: **9:48**
